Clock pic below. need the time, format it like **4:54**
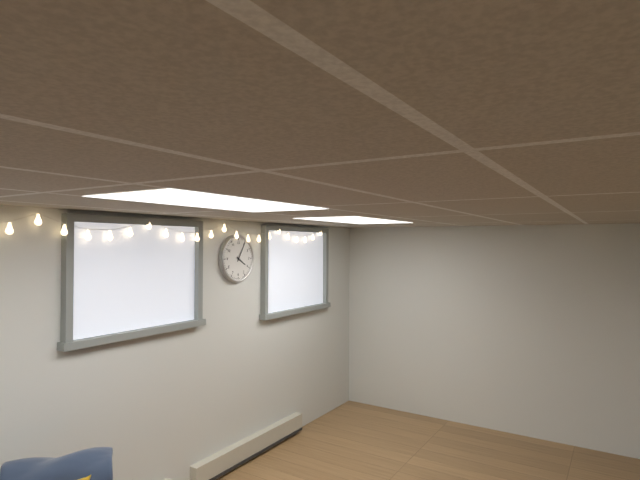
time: **4:05**
